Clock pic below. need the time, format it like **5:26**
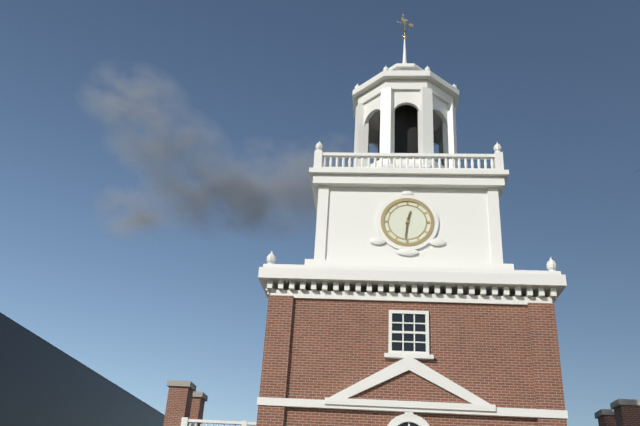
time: **12:31**
